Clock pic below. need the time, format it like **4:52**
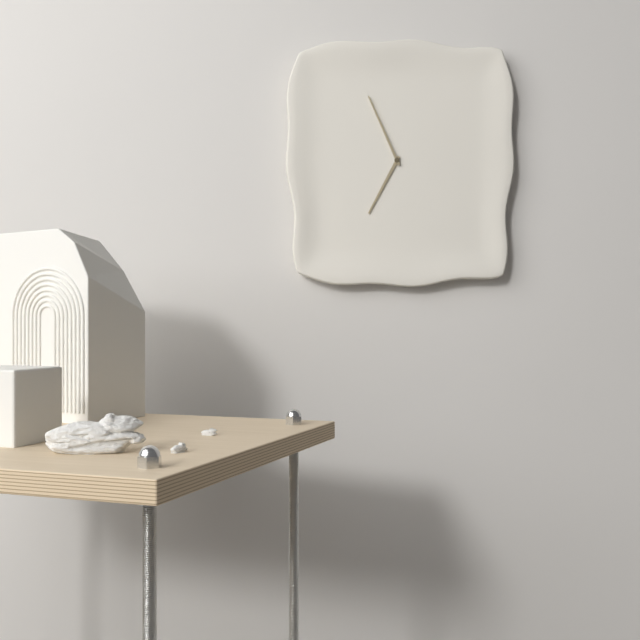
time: **6:56**
